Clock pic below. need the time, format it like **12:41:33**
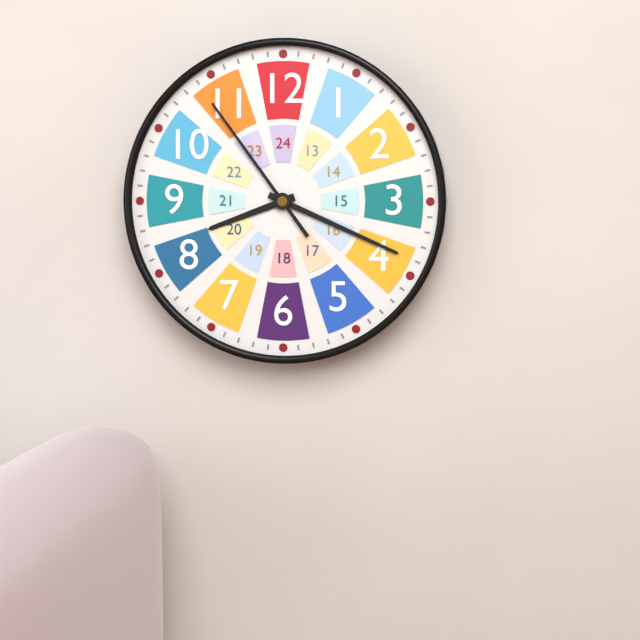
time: **8:19:54**
